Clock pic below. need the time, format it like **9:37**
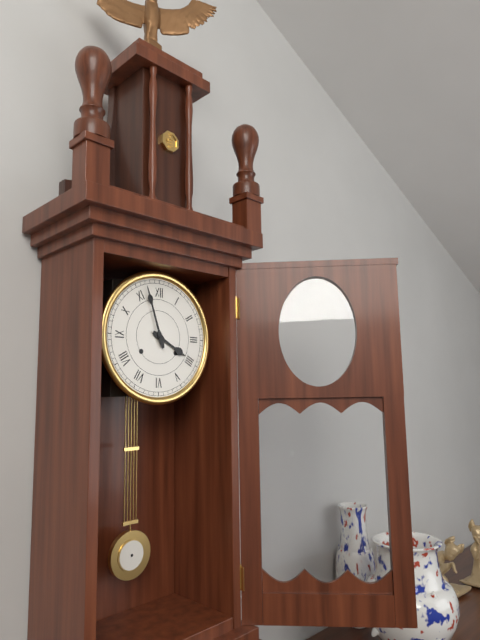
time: **3:57**
